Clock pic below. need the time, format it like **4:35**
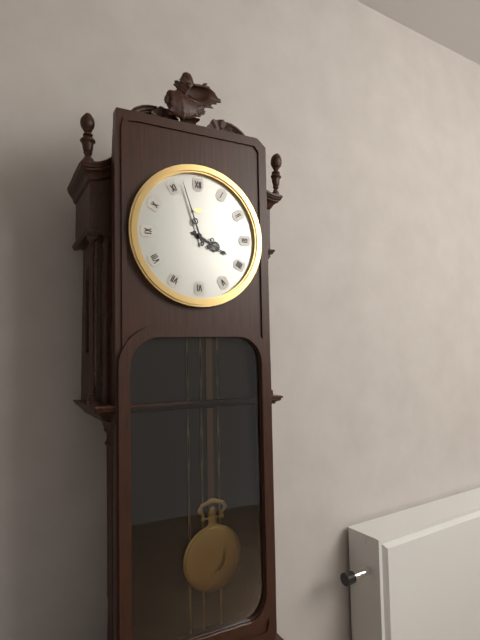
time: **3:57**
